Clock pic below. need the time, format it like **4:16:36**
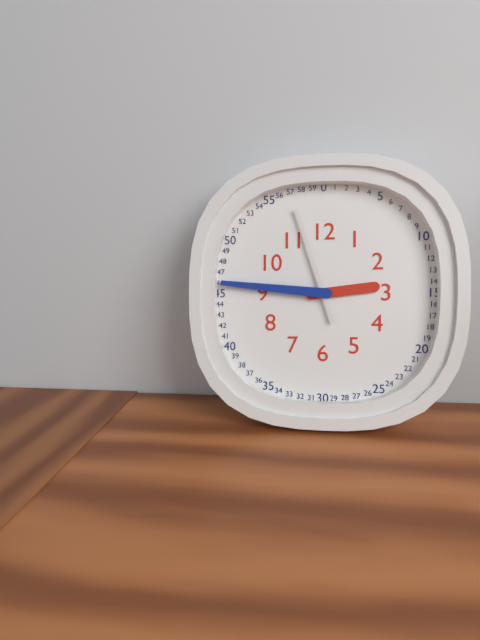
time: **2:46:57**
